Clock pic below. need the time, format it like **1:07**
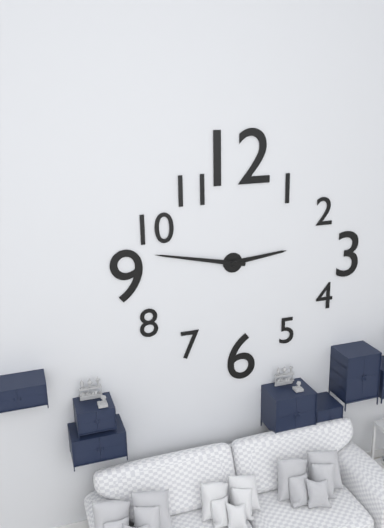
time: **2:47**
